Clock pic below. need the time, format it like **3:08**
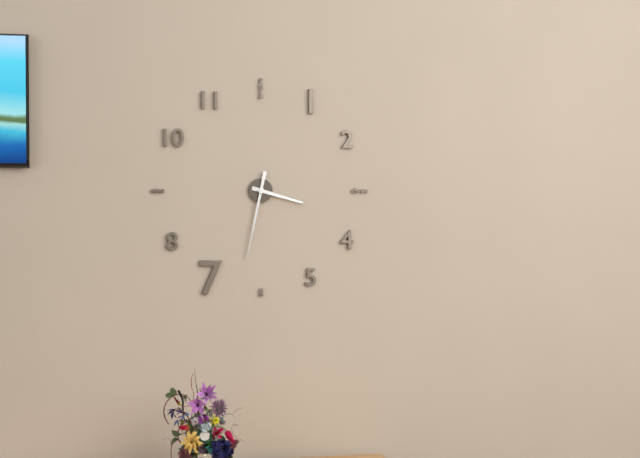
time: **3:32**
